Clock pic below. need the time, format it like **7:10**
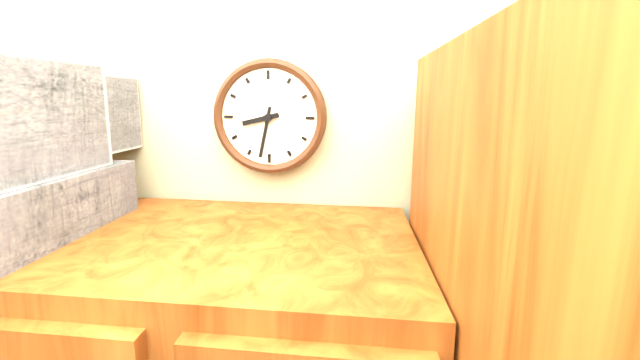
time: **8:32**
